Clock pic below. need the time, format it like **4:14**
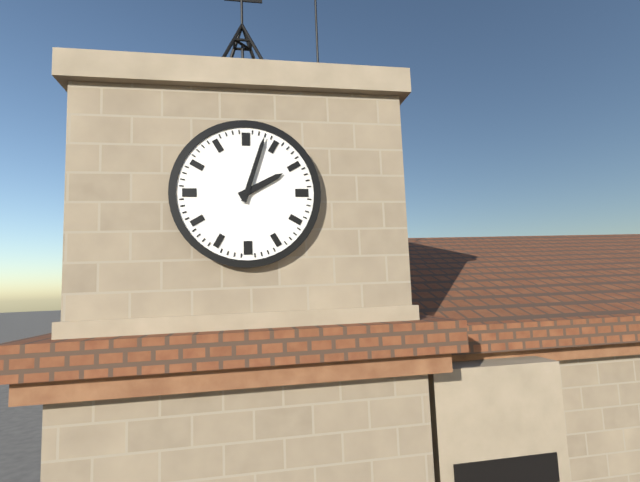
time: **2:03**
